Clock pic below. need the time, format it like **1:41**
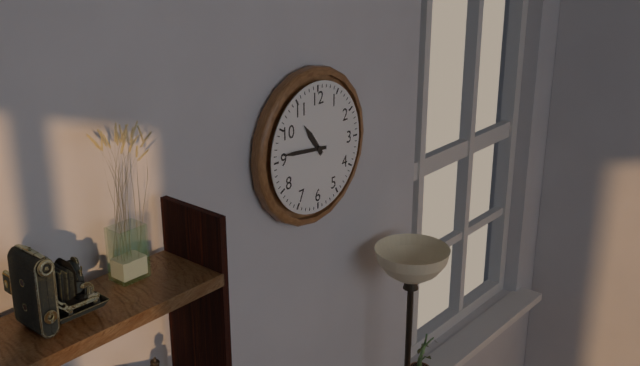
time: **10:46**
